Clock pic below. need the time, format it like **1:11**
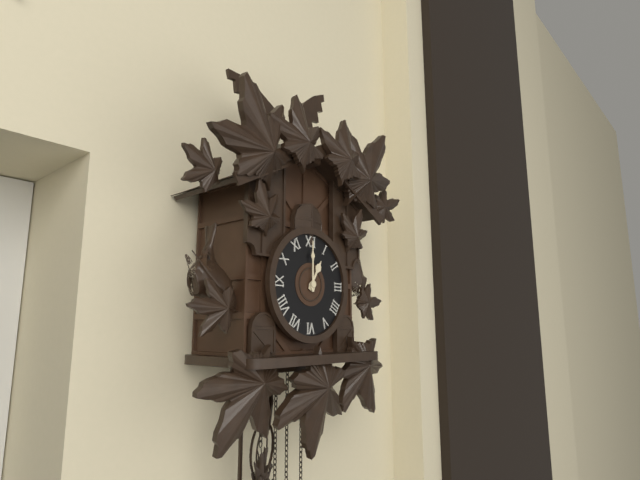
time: **1:00**
